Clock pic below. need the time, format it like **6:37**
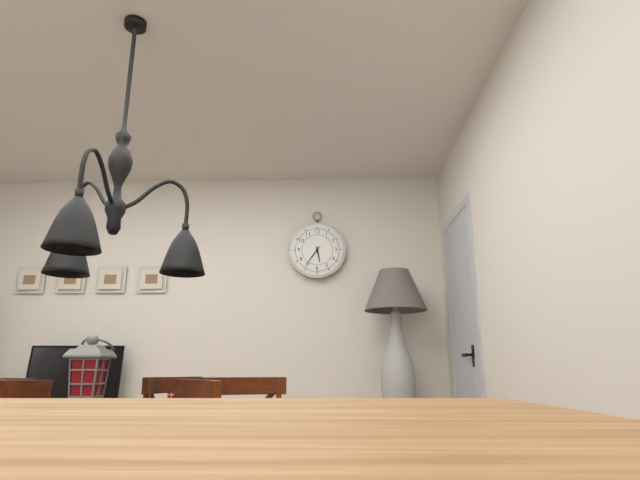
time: **5:36**
